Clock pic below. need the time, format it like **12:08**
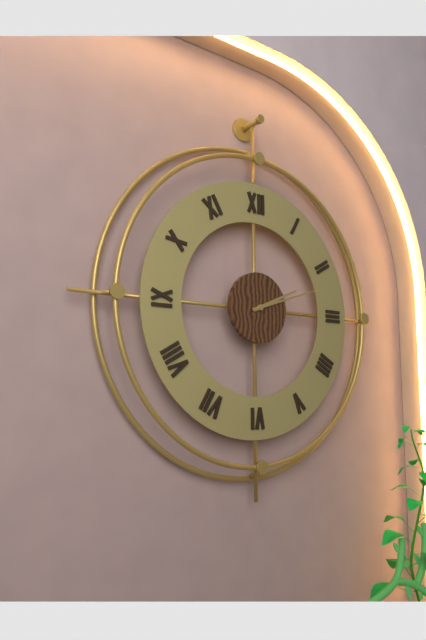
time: **2:12**
